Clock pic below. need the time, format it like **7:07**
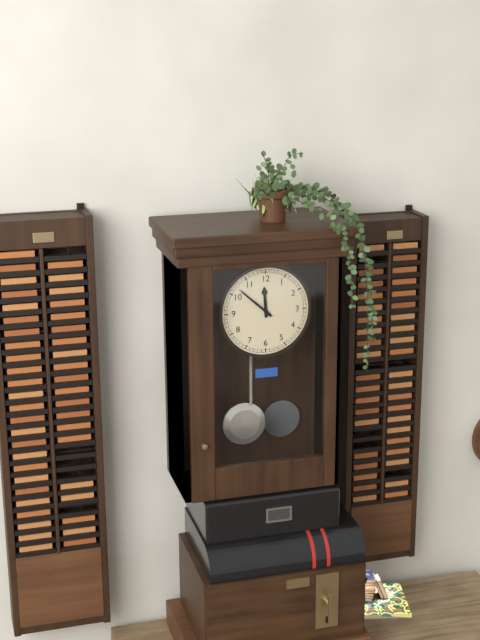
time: **11:52**
